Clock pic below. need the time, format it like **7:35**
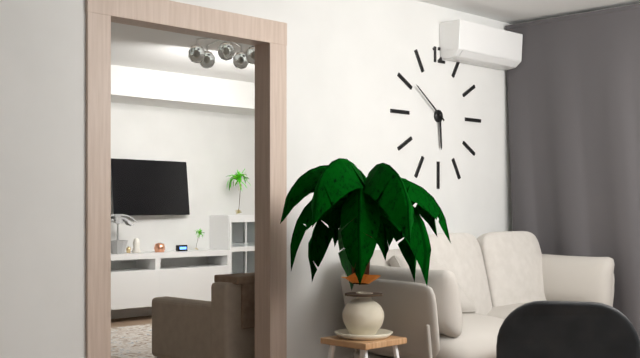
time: **5:51**
